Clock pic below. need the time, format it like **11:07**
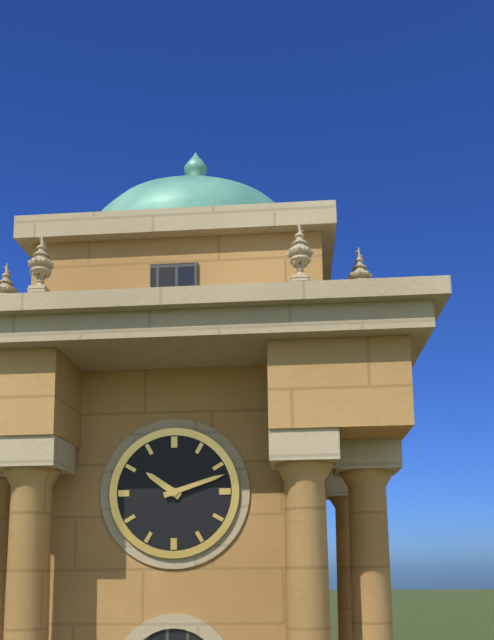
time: **10:12**
